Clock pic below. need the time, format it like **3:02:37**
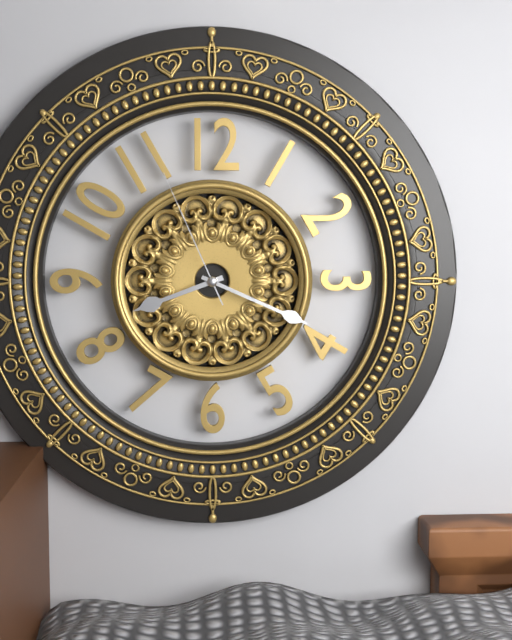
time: **8:19:56**
